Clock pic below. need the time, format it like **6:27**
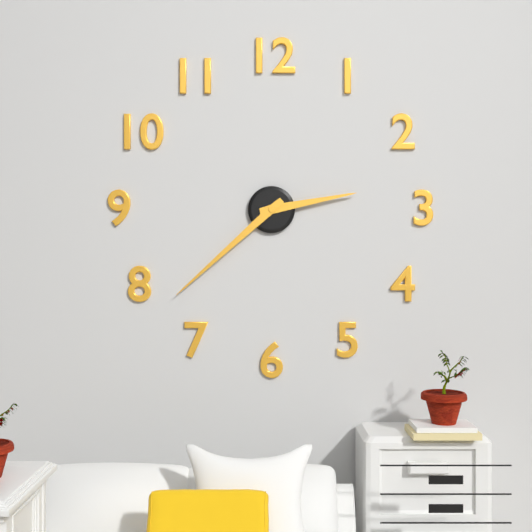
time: **2:38**
